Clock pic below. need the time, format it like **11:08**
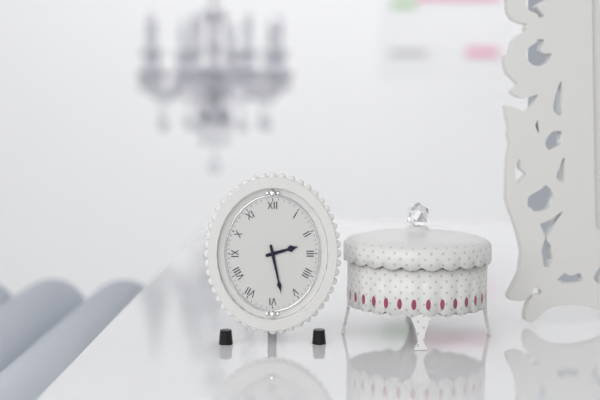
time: **2:28**
